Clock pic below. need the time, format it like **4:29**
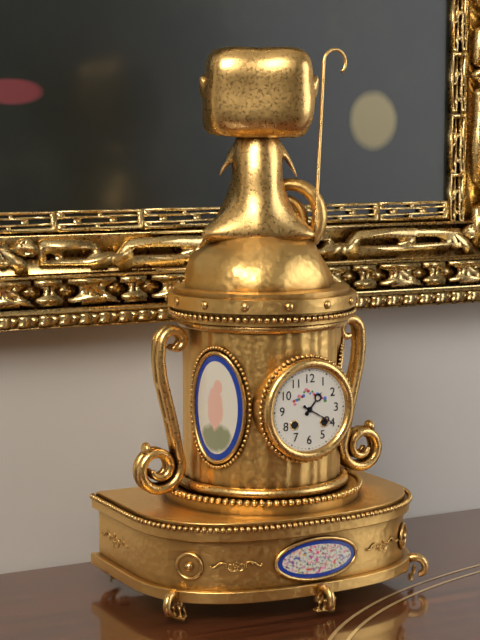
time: **1:20**
